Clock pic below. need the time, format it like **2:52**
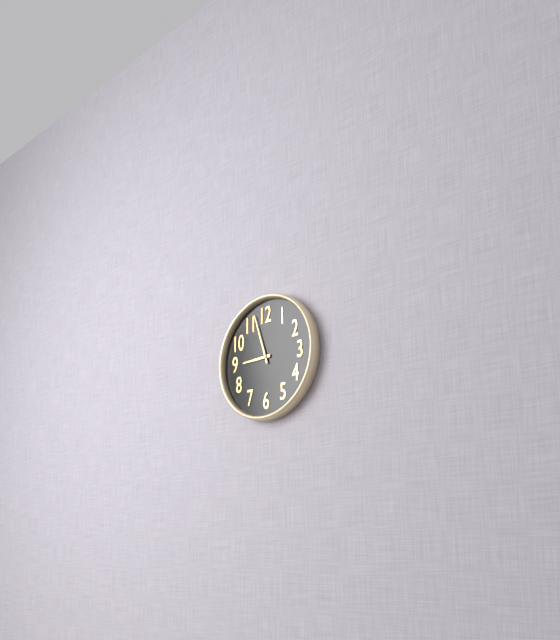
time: **8:57**
